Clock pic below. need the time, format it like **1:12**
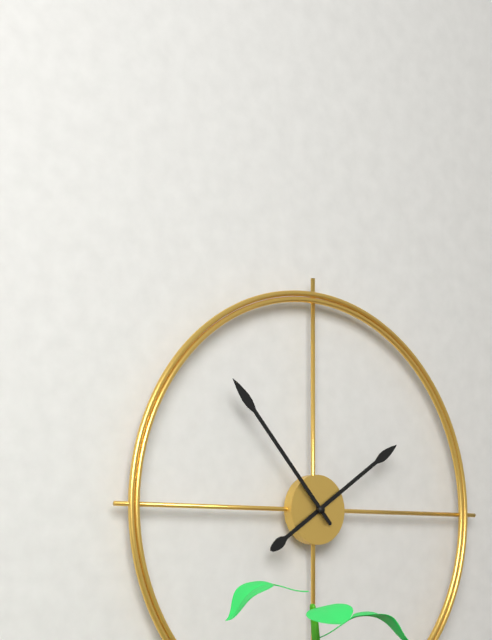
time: **1:53**
